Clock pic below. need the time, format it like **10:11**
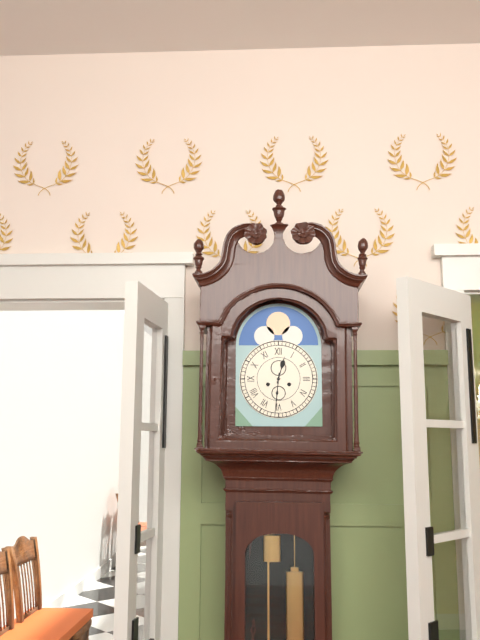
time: **12:31**
